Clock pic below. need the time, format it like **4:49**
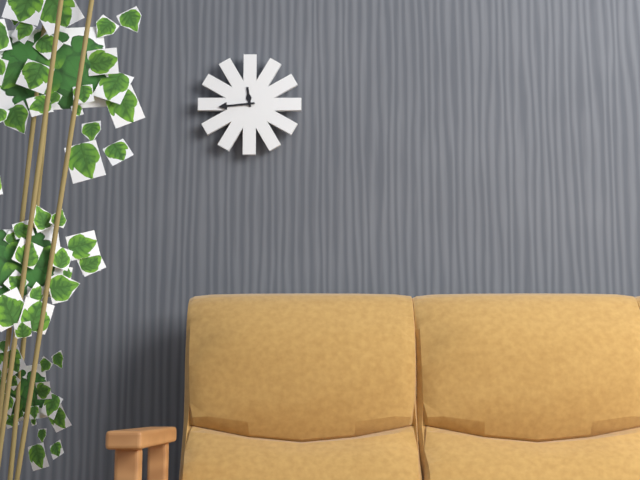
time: **11:44**
